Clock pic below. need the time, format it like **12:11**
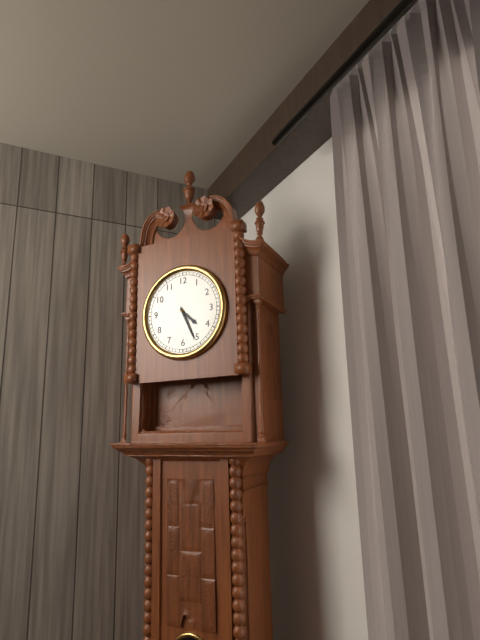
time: **4:26**
